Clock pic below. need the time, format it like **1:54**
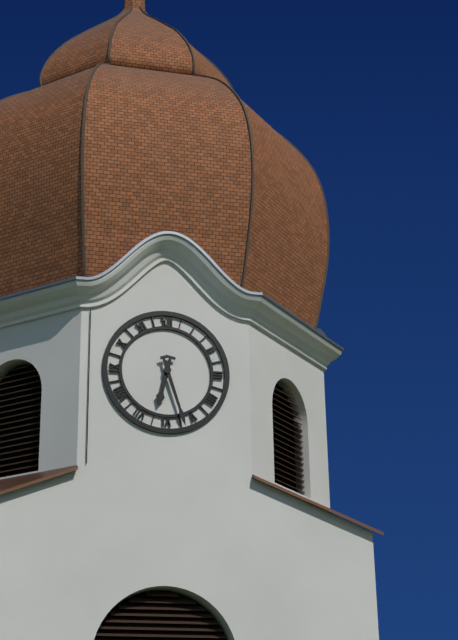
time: **6:27**
